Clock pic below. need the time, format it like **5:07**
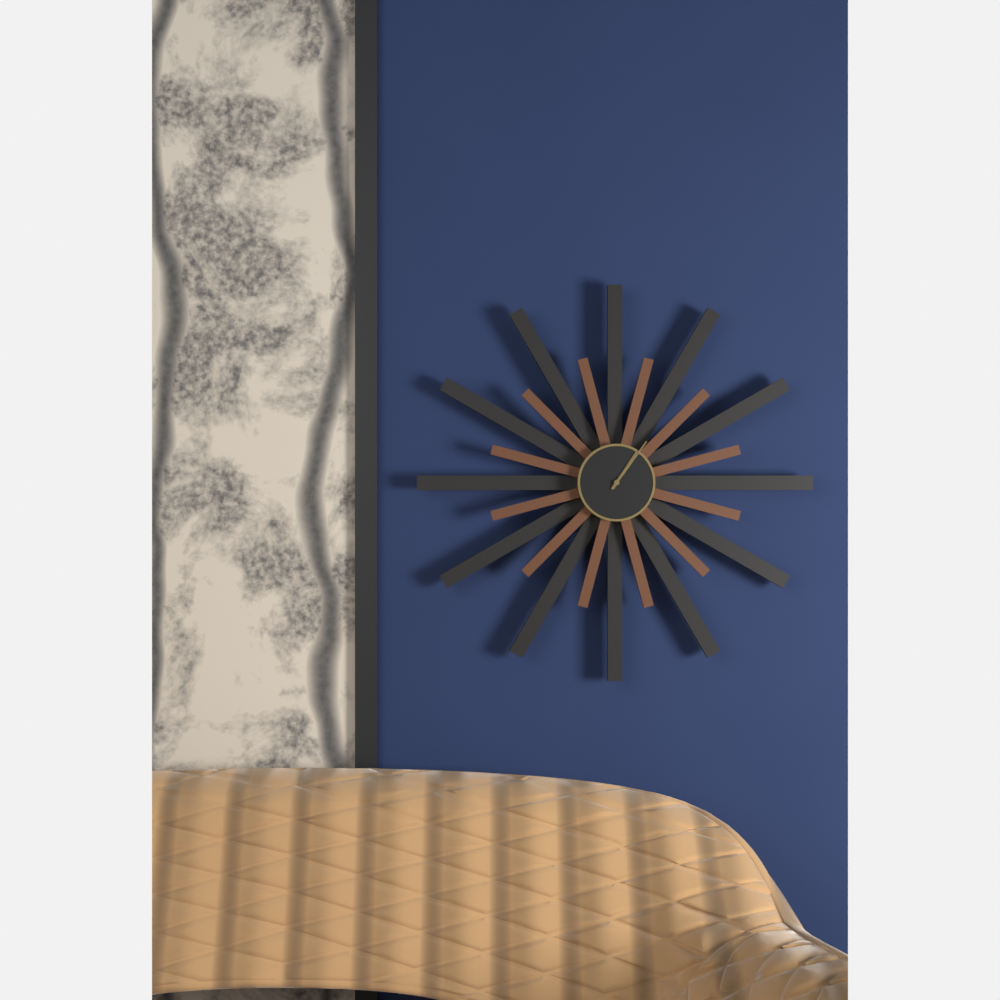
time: **1:06**
